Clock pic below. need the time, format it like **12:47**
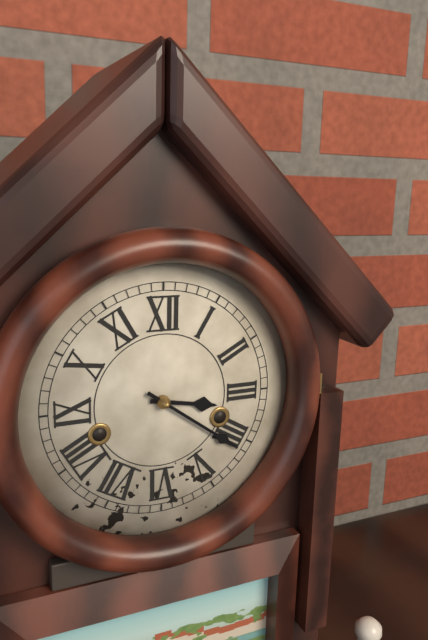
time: **3:21**
